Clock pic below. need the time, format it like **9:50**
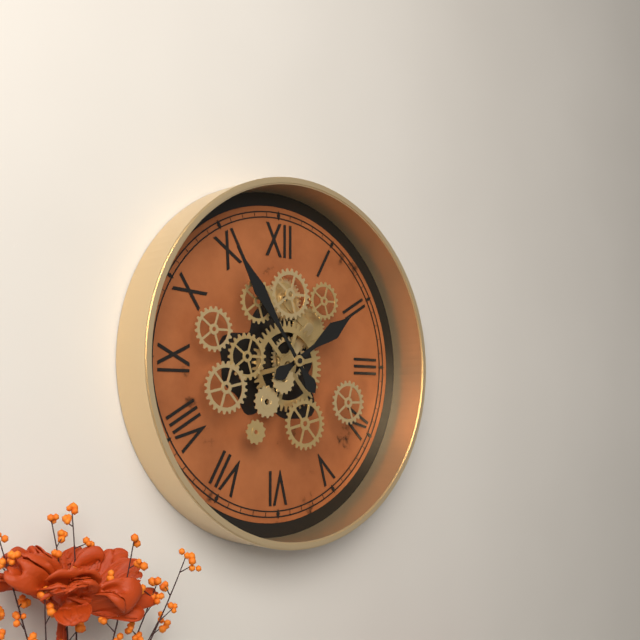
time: **1:54**
